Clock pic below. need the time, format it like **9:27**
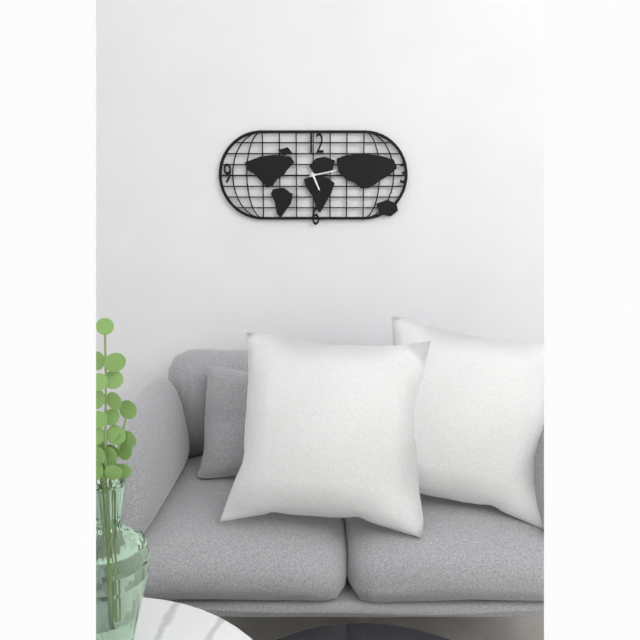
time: **5:13**
